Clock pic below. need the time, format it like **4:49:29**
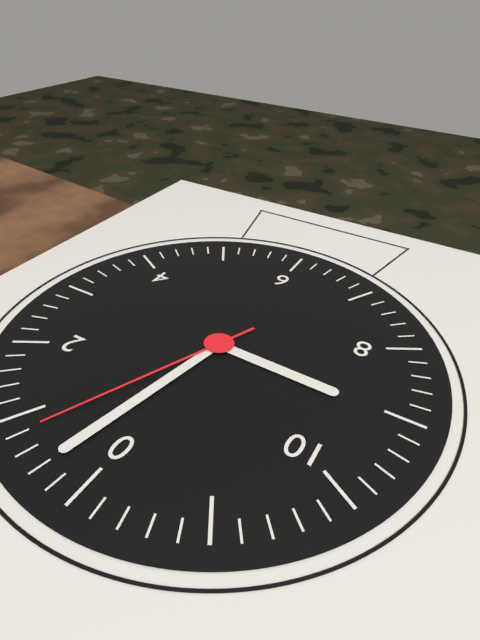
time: **9:02:04**
